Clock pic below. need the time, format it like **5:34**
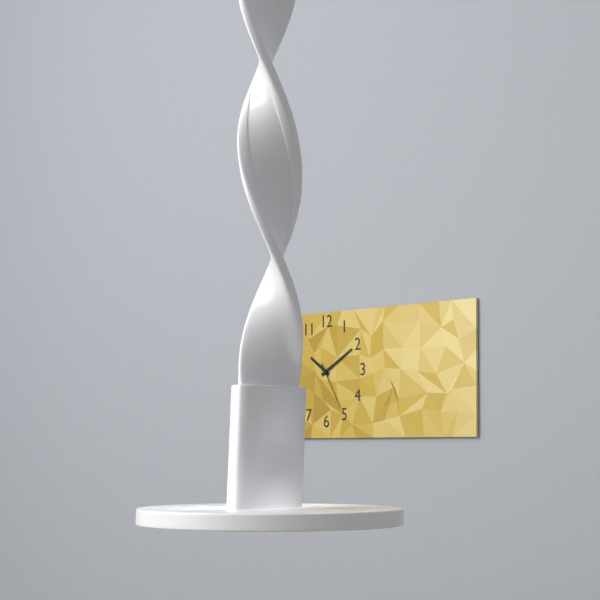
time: **10:10**
